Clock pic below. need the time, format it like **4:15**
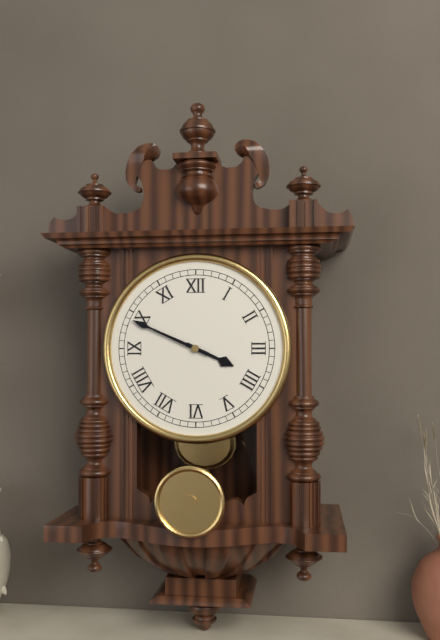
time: **3:49**
